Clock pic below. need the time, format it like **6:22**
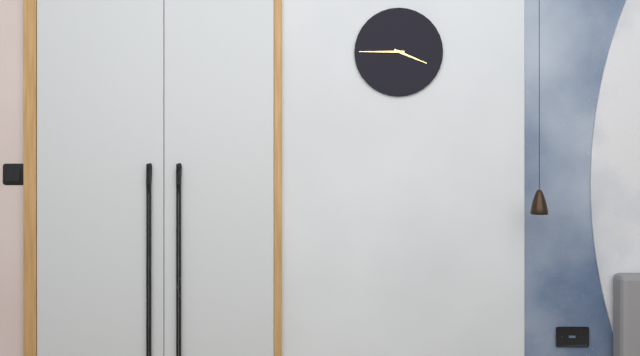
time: **3:45**
